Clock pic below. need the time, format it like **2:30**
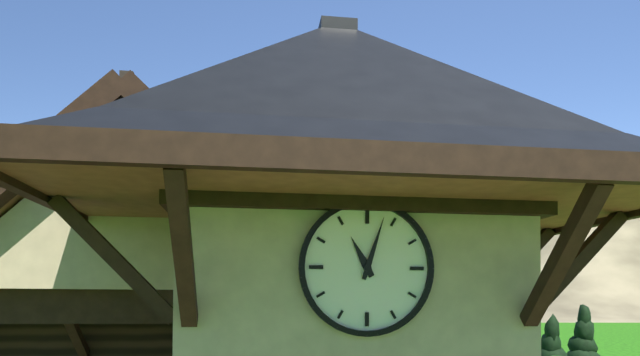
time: **11:03**
